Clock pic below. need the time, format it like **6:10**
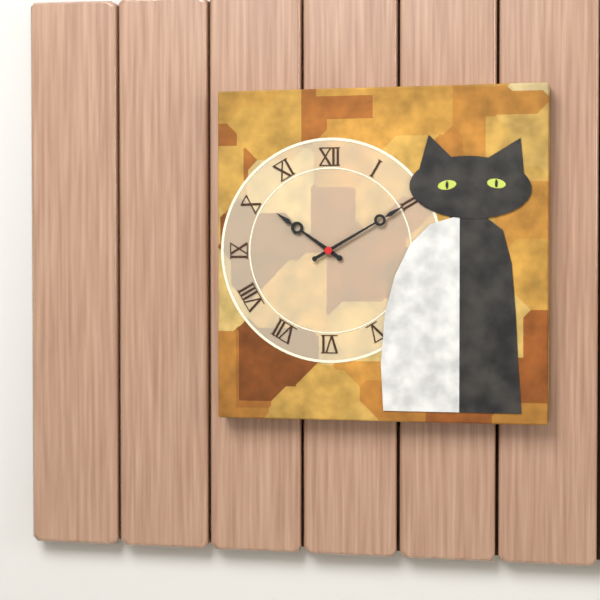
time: **10:10**
